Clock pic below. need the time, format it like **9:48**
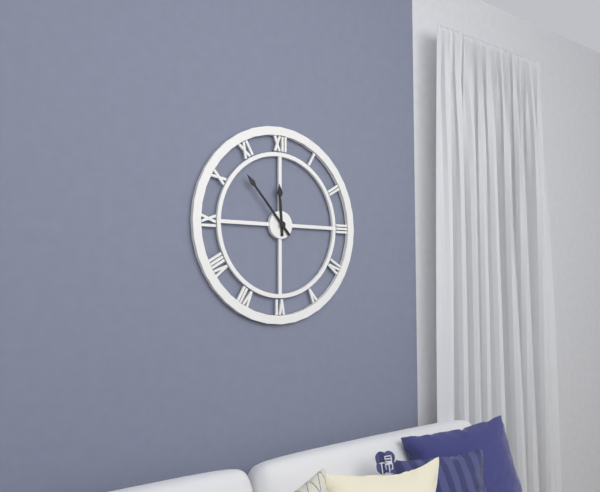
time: **11:53**
